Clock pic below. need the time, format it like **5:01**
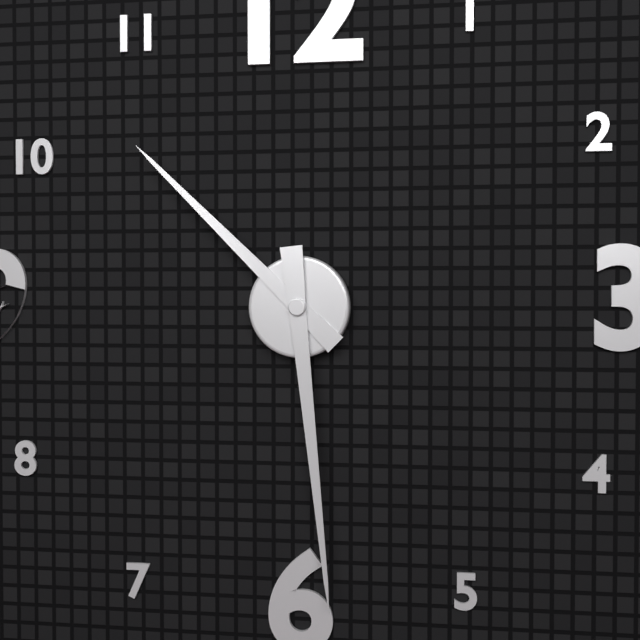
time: **10:29**
